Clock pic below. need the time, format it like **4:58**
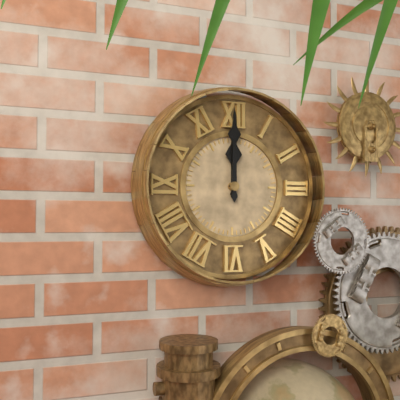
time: **12:00**
